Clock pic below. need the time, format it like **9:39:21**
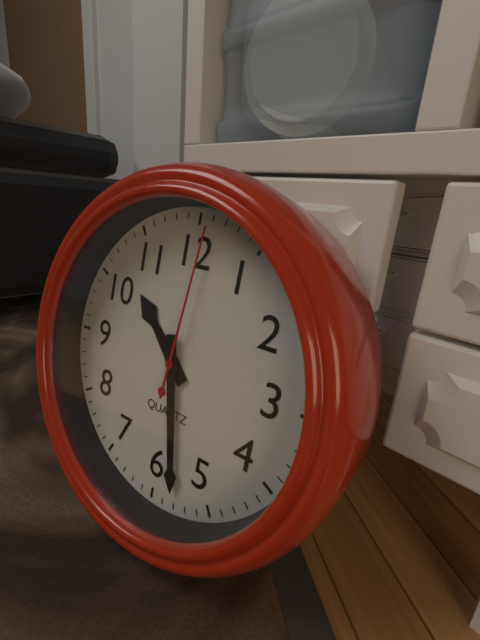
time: **10:28:01**
